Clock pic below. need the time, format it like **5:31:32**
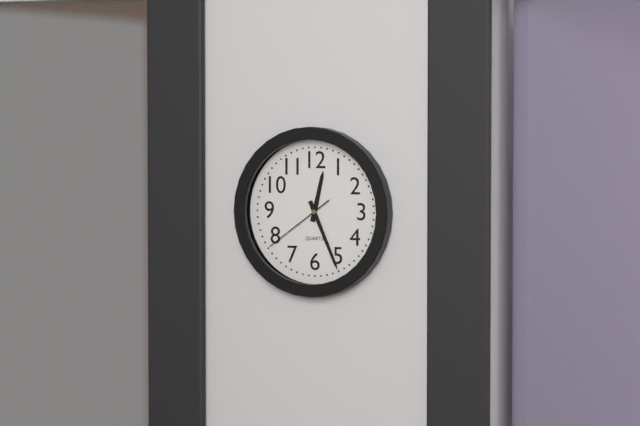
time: **12:26:39**
